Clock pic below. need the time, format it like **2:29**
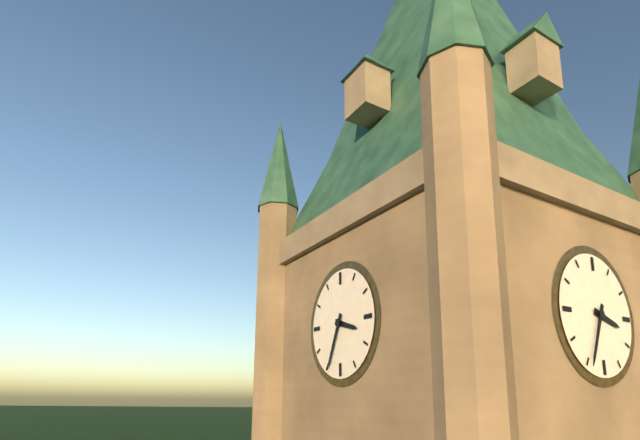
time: **3:34**
